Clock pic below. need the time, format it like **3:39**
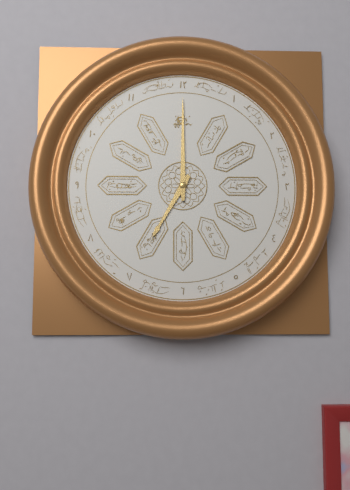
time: **7:00**
